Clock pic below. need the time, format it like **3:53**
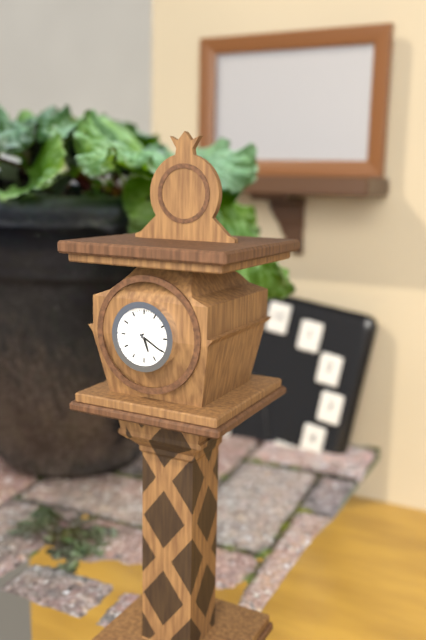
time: **5:20**
